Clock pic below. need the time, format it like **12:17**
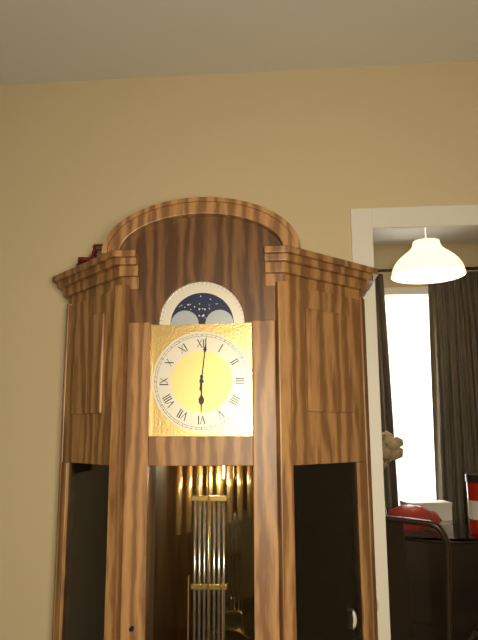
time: **6:01**
